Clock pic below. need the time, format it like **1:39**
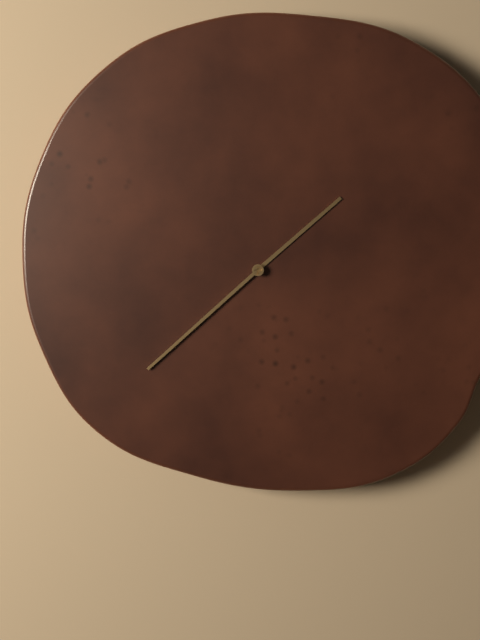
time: **1:38**
